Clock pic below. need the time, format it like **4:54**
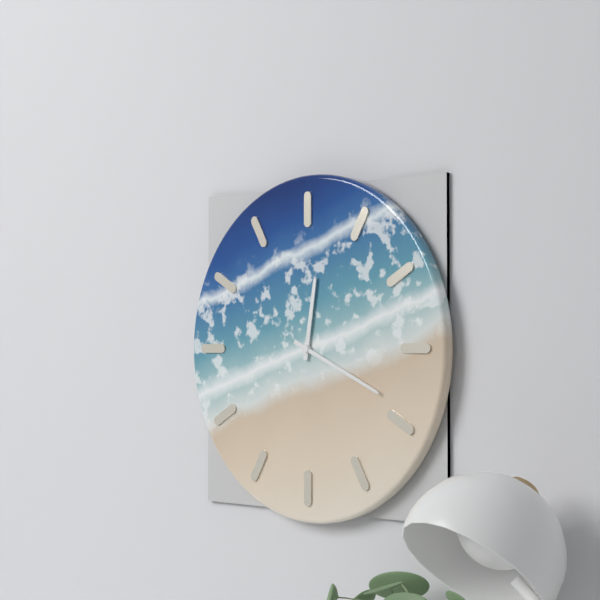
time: **12:19**
